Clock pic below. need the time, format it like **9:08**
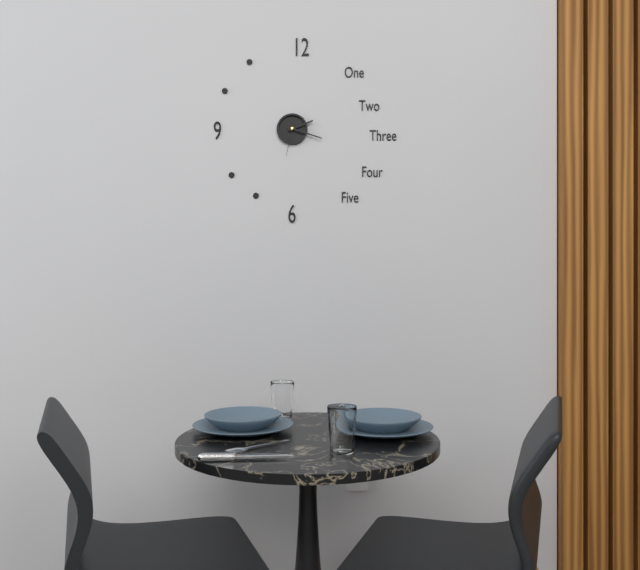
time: **2:18**
